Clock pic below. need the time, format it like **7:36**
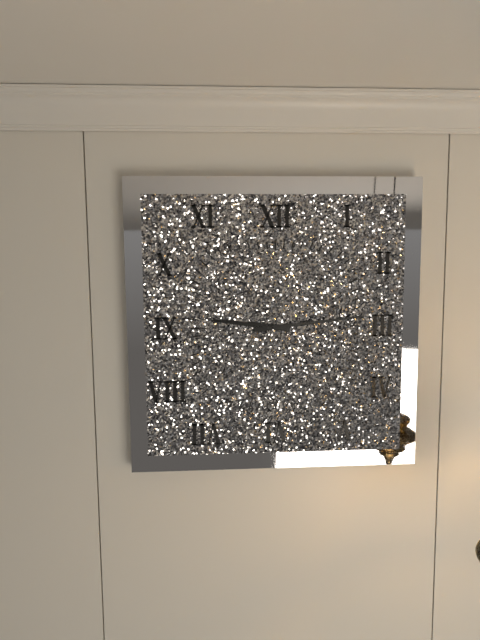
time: **9:14**
